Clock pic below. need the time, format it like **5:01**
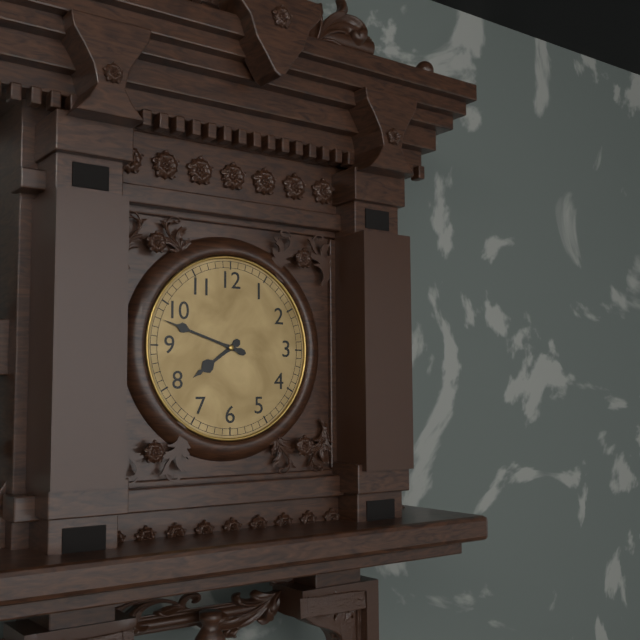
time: **7:48**
